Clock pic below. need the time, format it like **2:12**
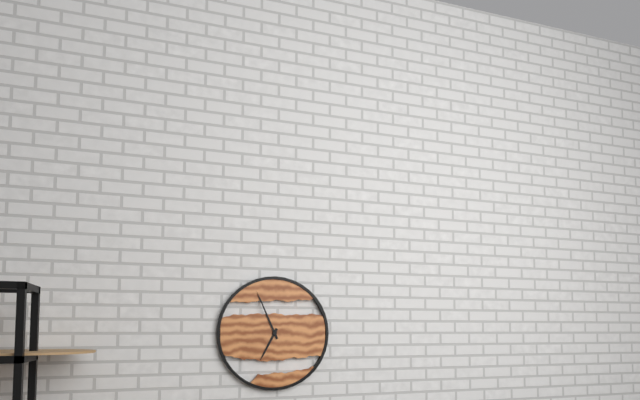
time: **6:56**
